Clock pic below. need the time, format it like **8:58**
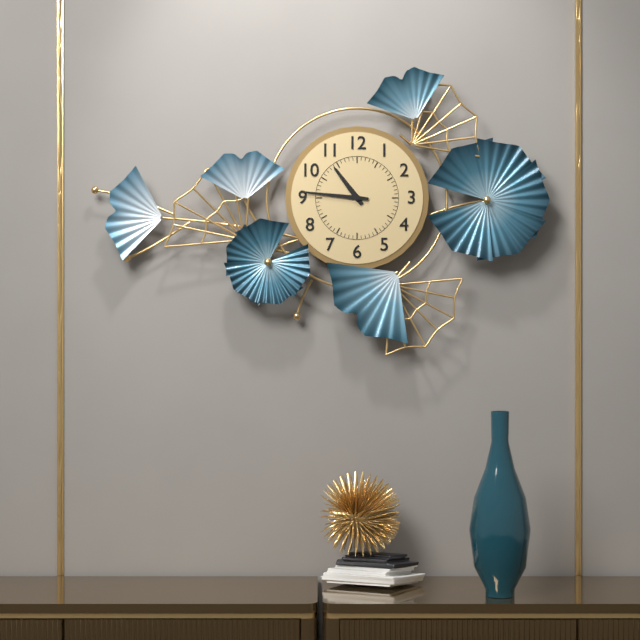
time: **10:46**
